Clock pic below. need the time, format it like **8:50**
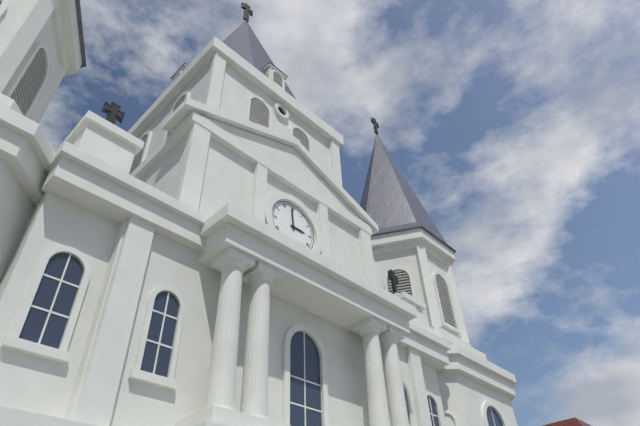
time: **2:59**
